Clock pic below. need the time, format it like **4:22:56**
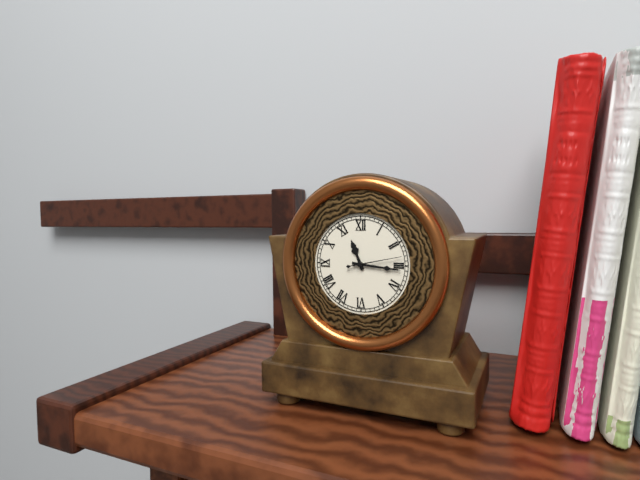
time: **11:16:13**
